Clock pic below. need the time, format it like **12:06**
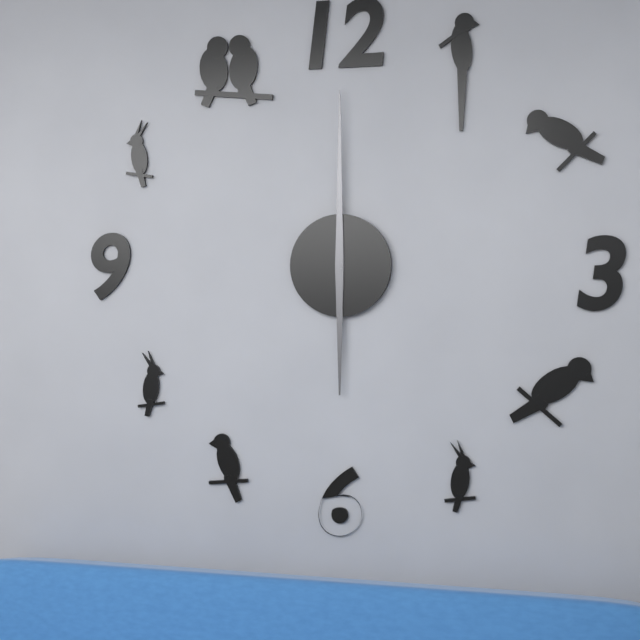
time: **6:00**
